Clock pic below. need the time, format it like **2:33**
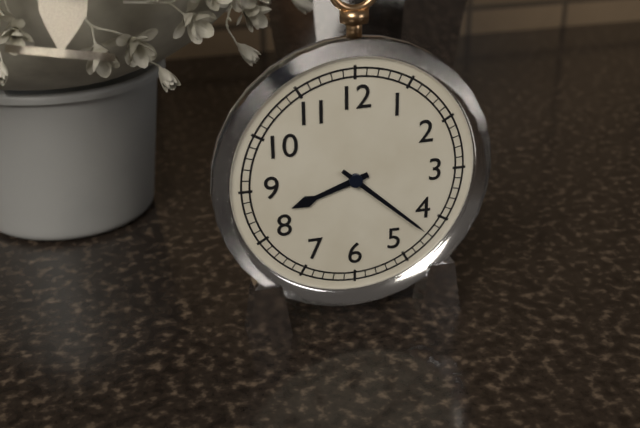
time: **8:22**
